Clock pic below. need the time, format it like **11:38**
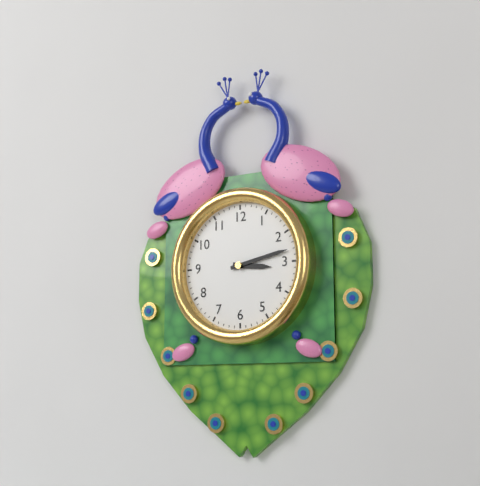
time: **3:13**
